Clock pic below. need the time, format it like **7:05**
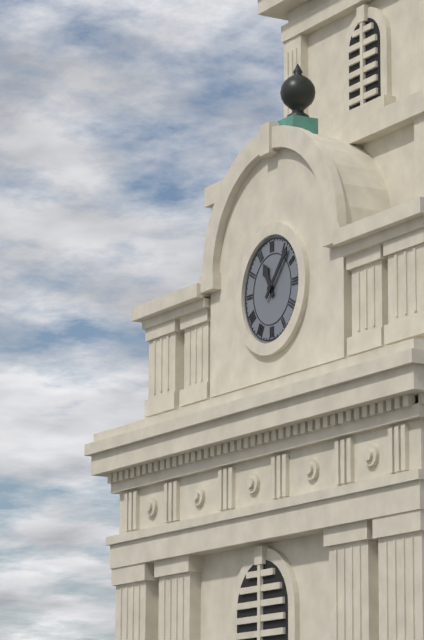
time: **11:07**
